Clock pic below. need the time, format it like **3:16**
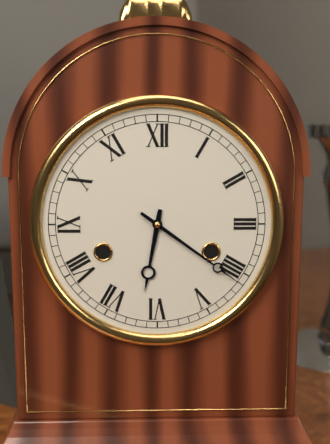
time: **6:21**
